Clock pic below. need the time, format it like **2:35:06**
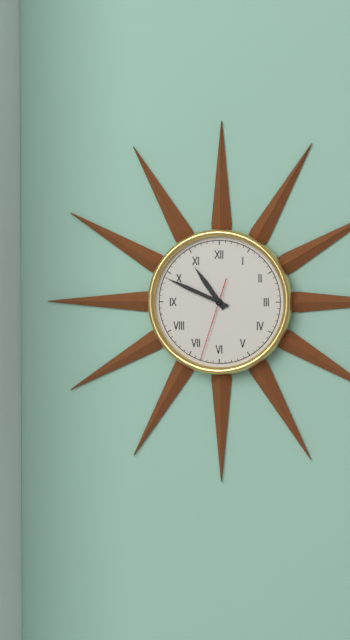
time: **10:49:33**
